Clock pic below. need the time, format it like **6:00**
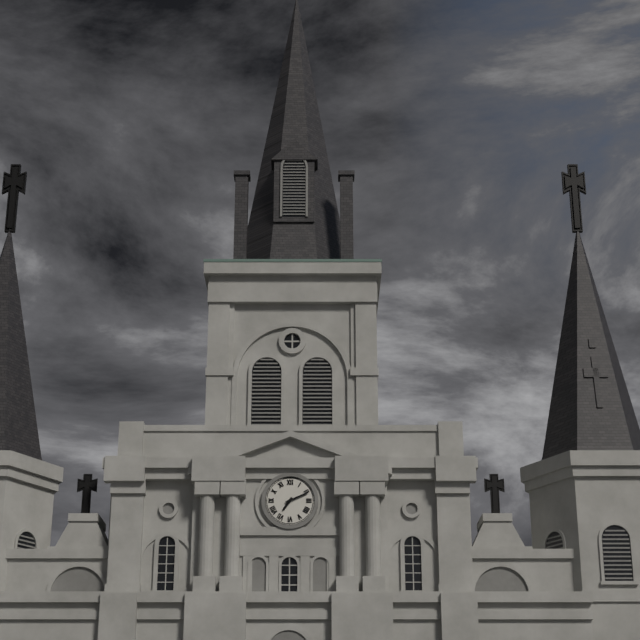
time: **7:11**
